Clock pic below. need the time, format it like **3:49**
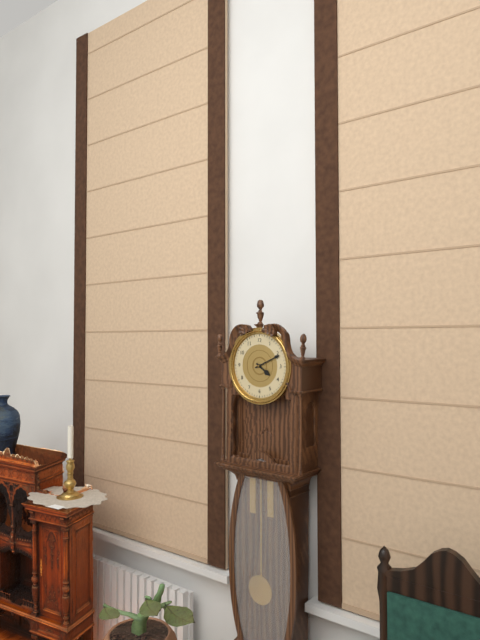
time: **4:11**
